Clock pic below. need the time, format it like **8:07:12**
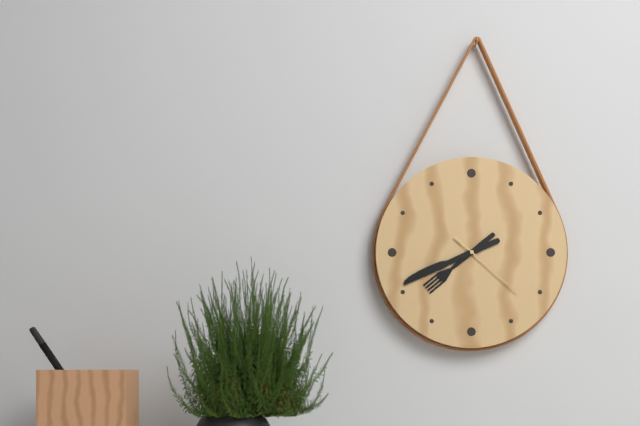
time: **7:41:22**
